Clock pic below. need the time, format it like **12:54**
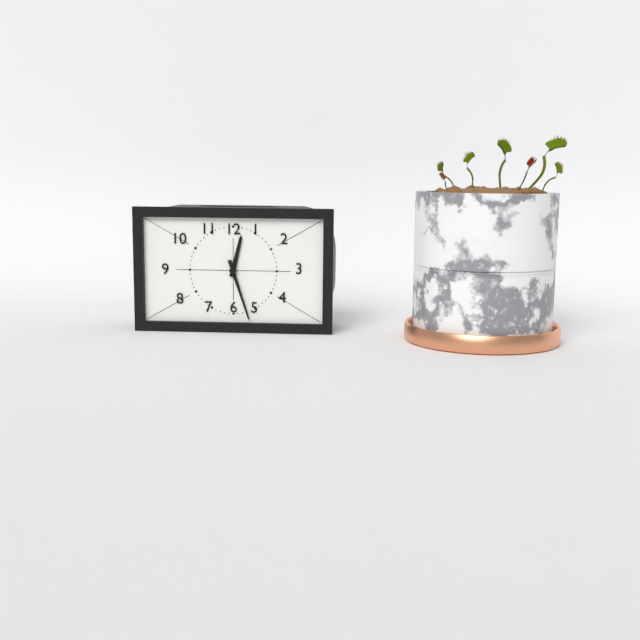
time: **12:27**
